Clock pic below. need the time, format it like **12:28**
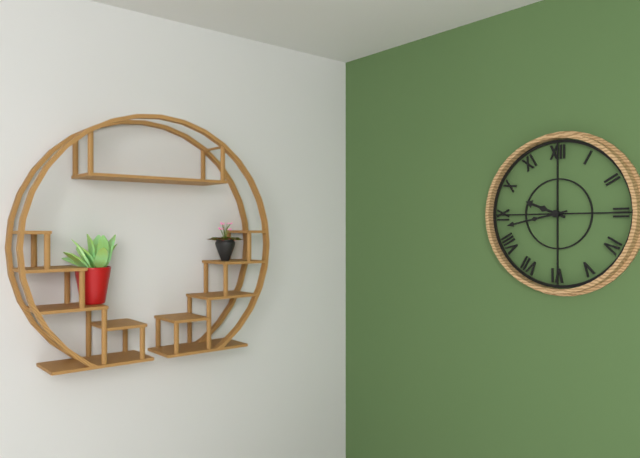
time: **9:43**
